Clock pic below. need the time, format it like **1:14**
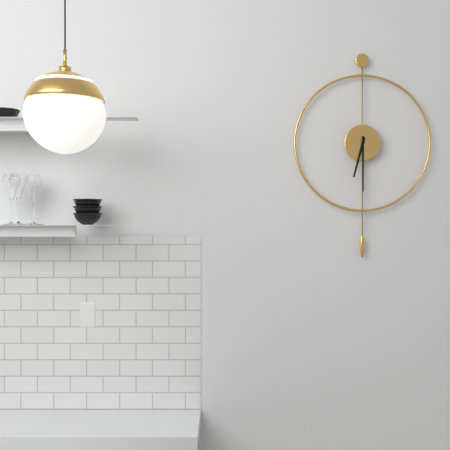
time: **6:30**
